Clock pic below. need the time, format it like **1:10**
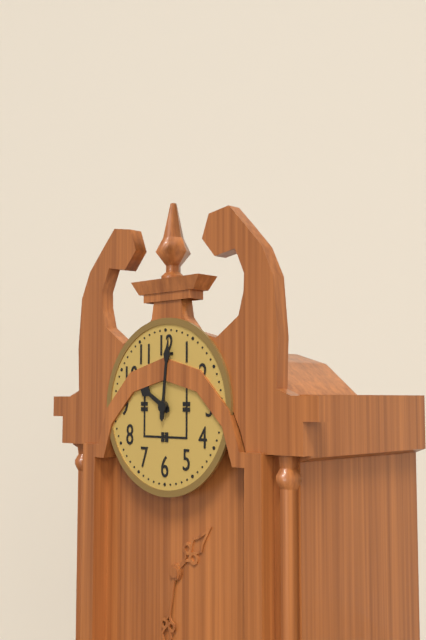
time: **10:01**
